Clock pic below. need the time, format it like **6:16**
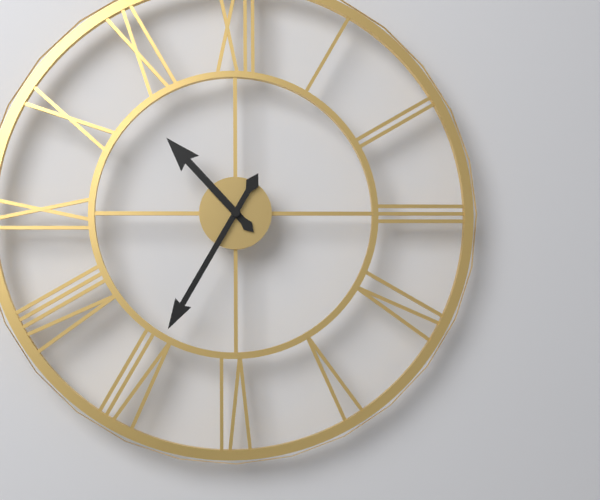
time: **10:35**
